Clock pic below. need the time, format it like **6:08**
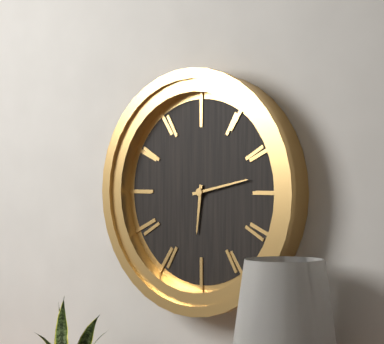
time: **6:13**
